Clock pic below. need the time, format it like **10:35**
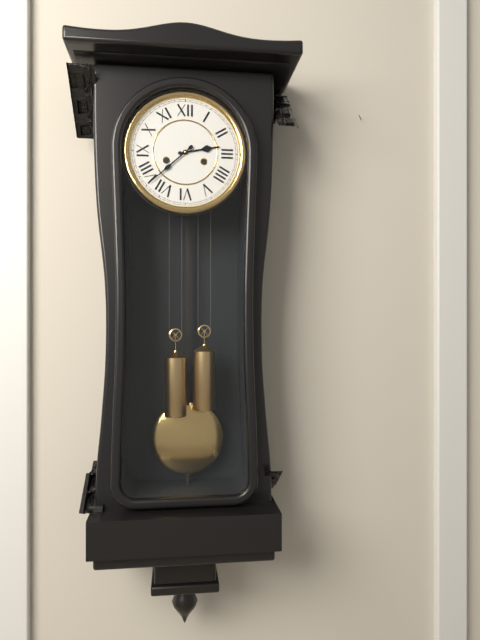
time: **2:38**
